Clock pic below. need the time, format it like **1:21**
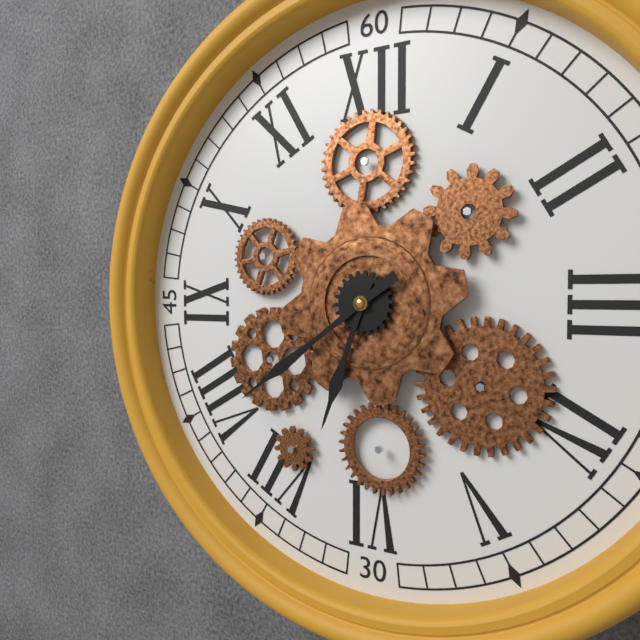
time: **6:39**
